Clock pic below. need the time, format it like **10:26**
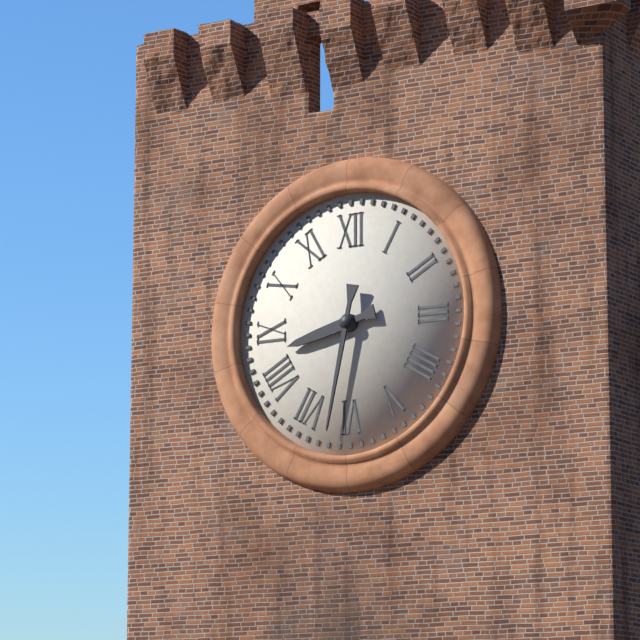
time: **8:32**
